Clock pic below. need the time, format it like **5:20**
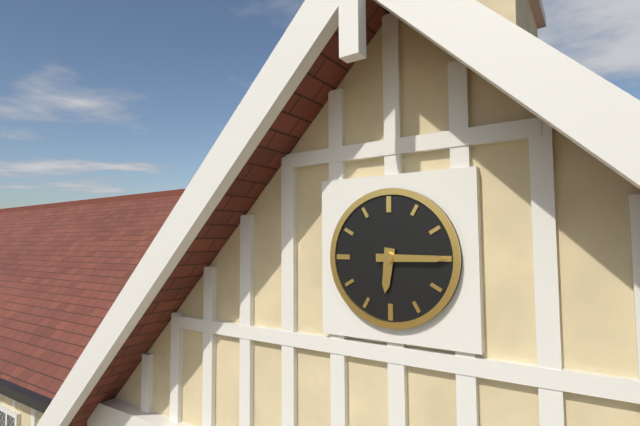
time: **6:15**
